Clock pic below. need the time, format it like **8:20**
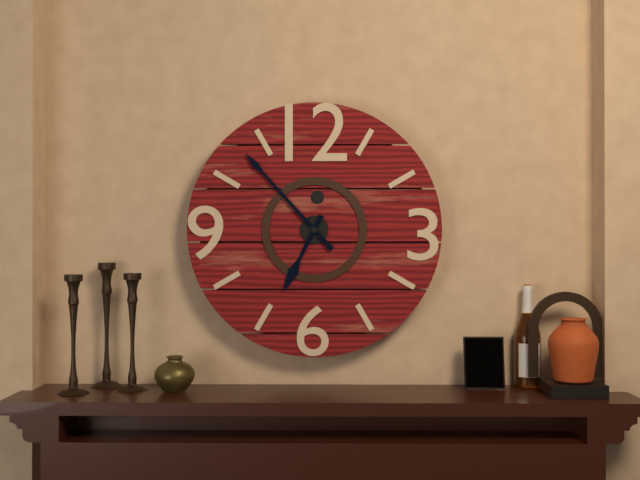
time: **6:53**
